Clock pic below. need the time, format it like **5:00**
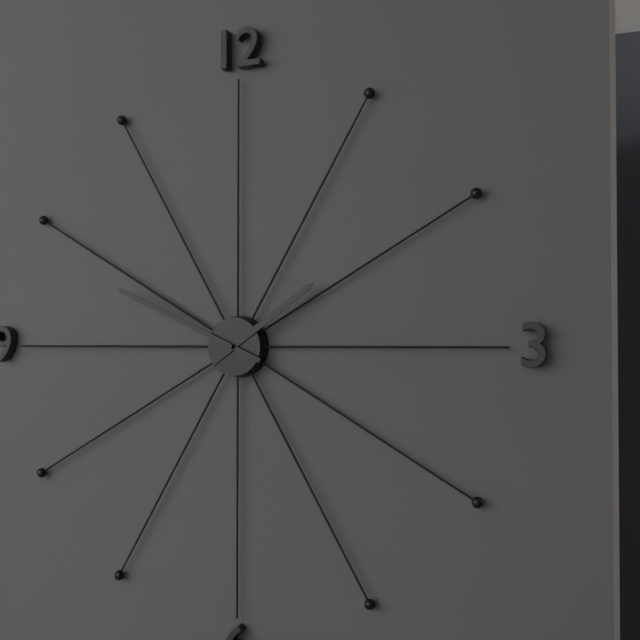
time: **1:49**
